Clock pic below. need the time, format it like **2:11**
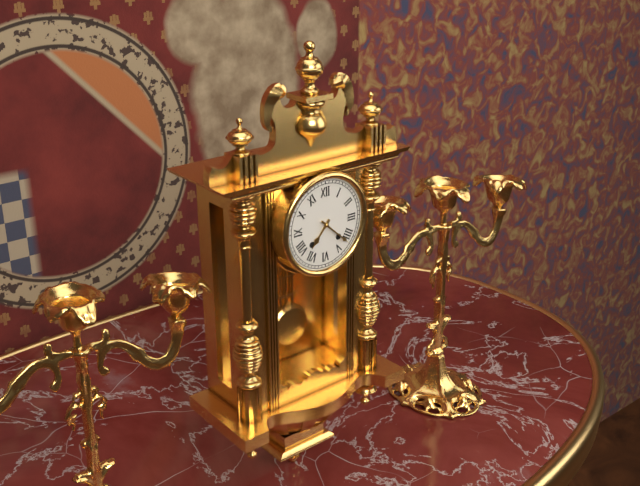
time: **7:22**
